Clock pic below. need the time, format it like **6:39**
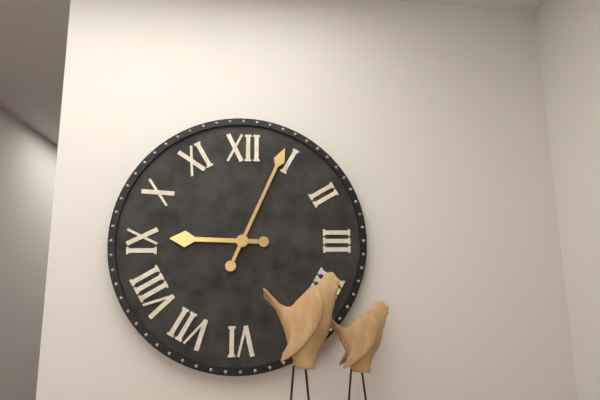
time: **9:04**
